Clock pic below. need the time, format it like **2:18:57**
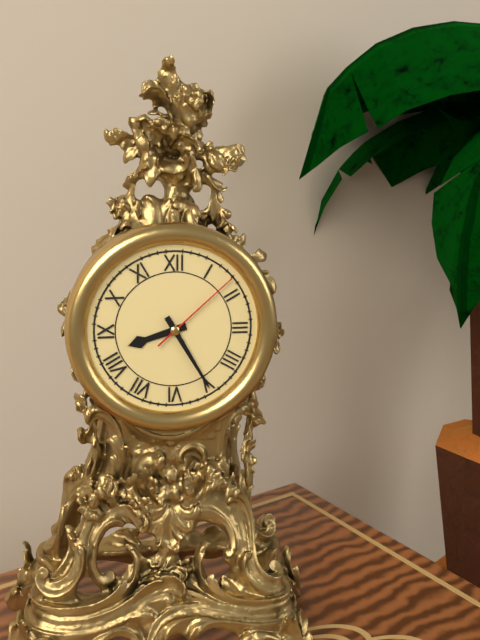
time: **8:25:08**
